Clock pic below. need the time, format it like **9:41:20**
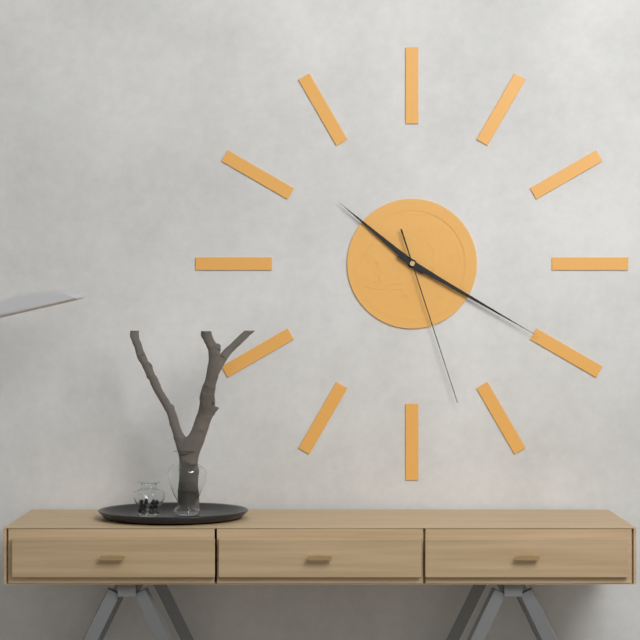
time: **10:20:27**
